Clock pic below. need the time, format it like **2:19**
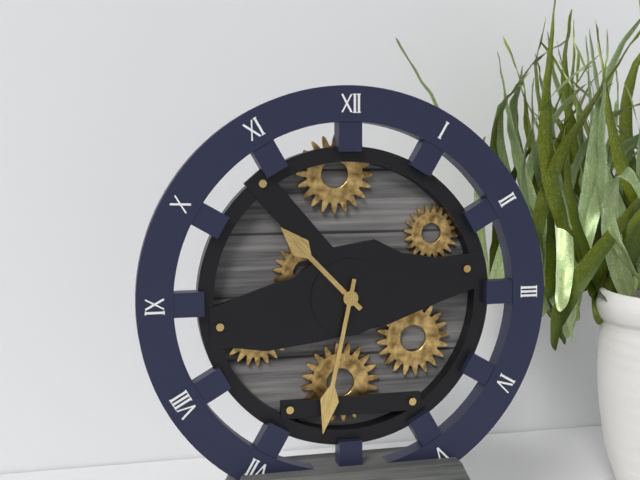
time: **10:32**
